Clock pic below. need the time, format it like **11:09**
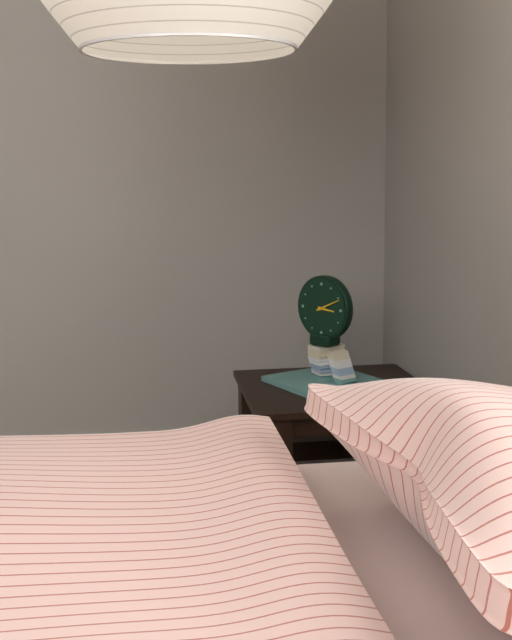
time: **3:11**
